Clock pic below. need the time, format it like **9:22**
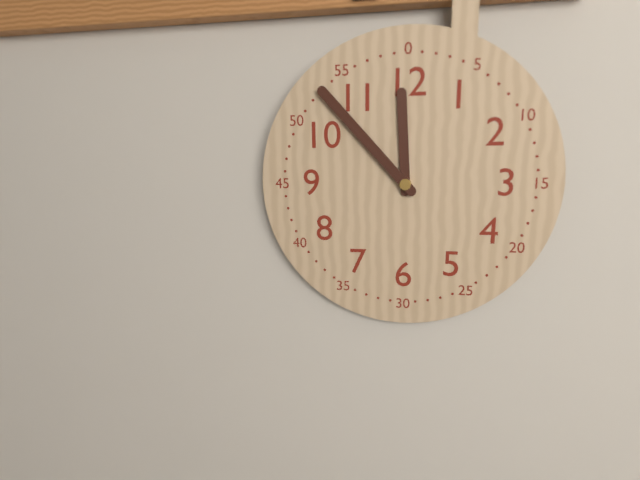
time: **11:53**
